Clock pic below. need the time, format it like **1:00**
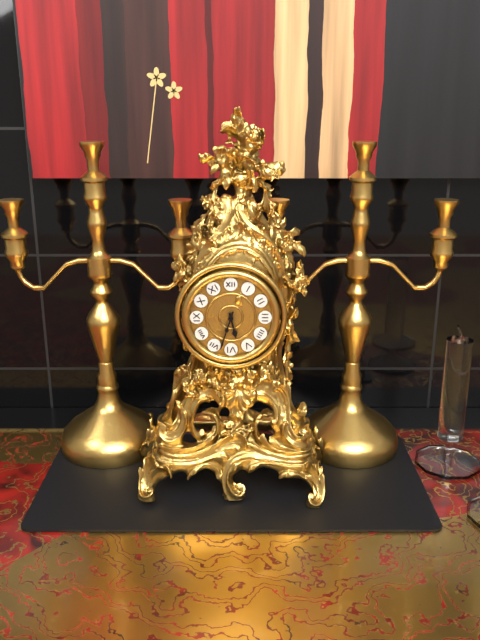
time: **5:33**
